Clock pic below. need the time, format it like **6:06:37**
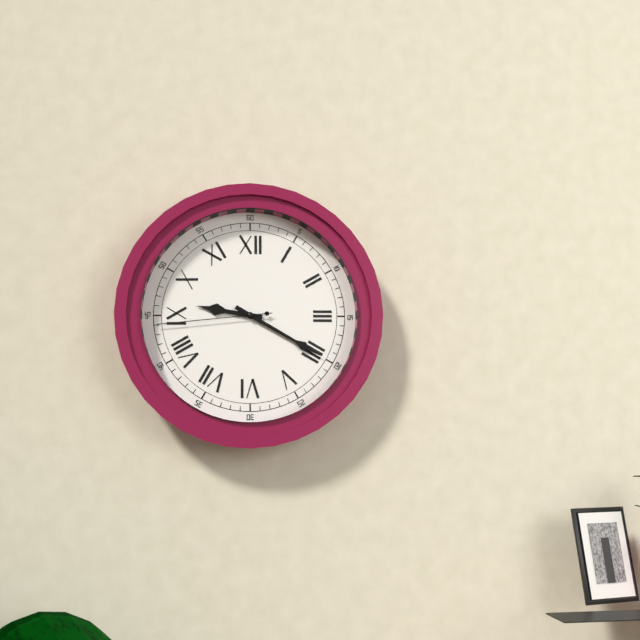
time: **9:20:44**
